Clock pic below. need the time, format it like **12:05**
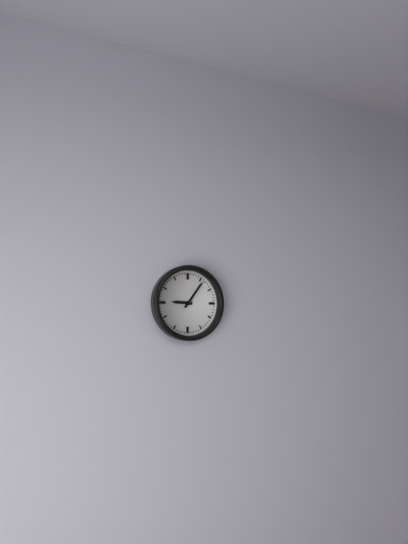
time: **9:06**
